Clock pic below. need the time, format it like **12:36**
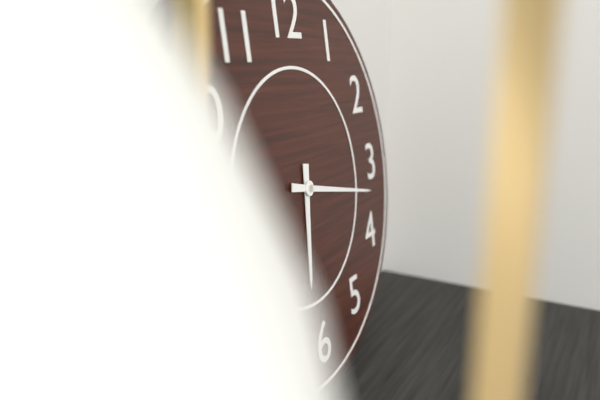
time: **6:17**
